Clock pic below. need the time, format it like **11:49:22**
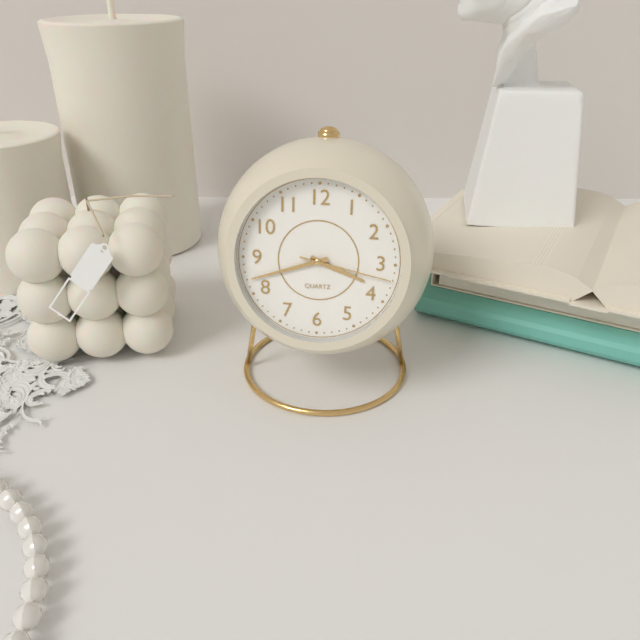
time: **3:42:17**
